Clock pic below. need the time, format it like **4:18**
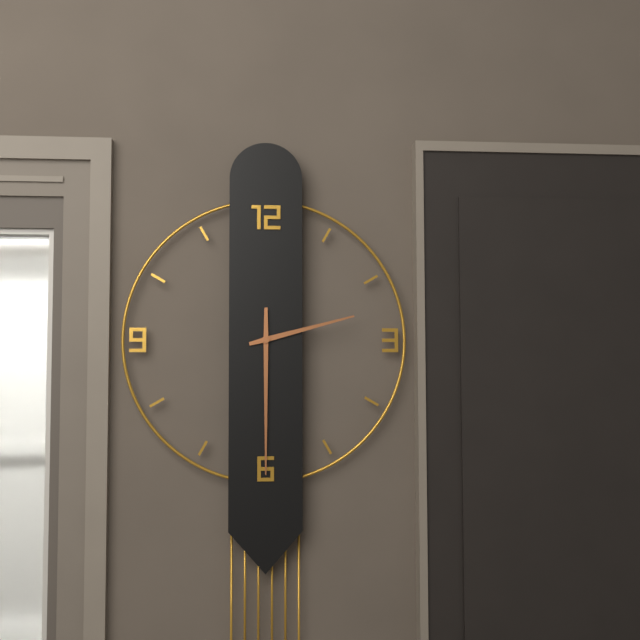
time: **2:30**
